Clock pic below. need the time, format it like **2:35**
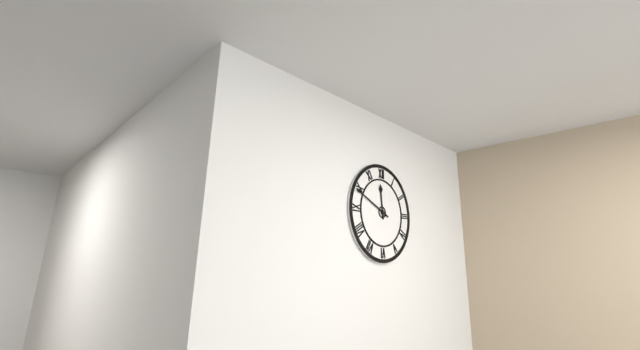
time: **11:49**
